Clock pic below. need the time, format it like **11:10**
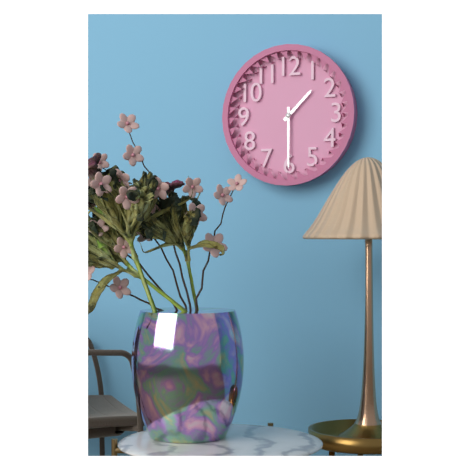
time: **1:30**
